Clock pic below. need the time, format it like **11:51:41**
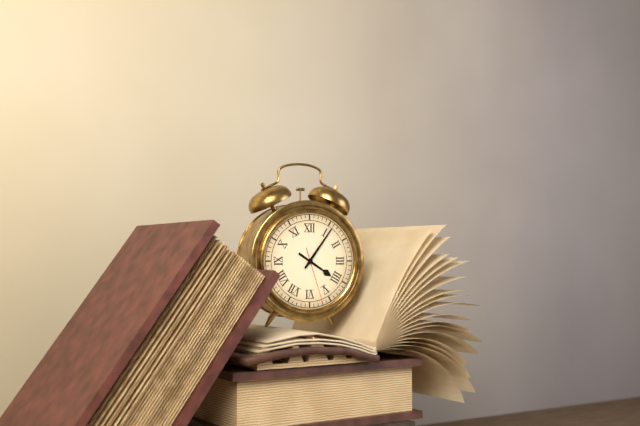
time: **4:06:27**
